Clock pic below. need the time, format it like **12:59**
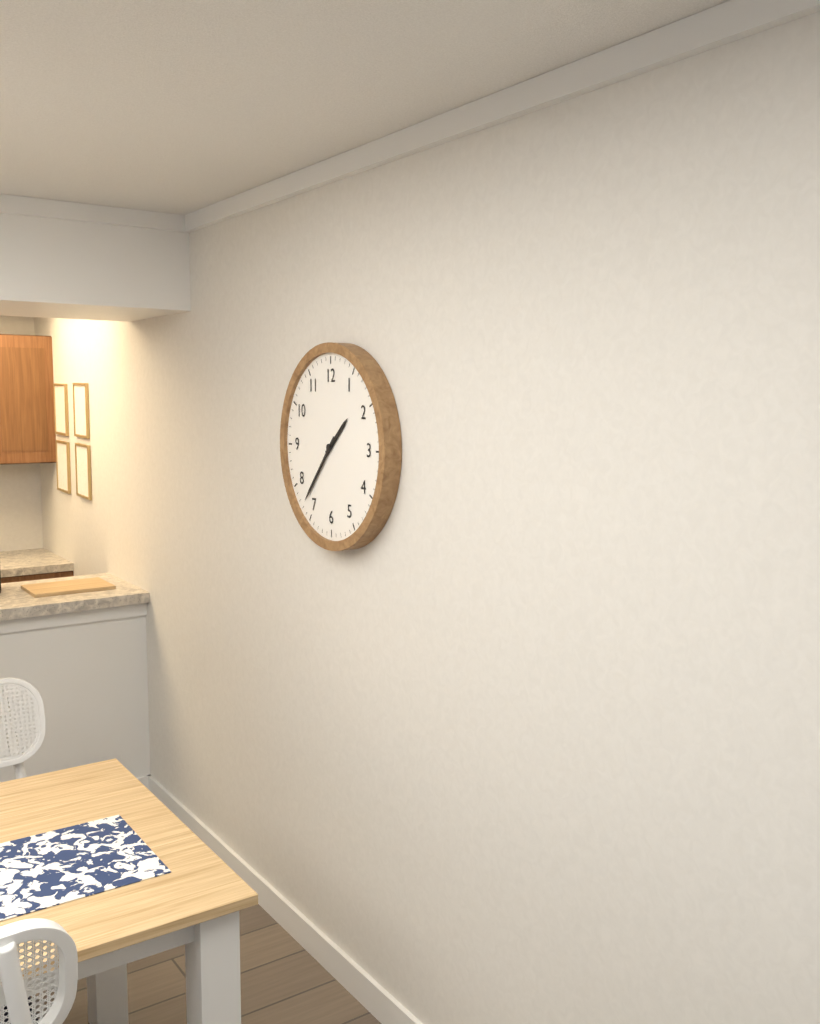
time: **1:37**
